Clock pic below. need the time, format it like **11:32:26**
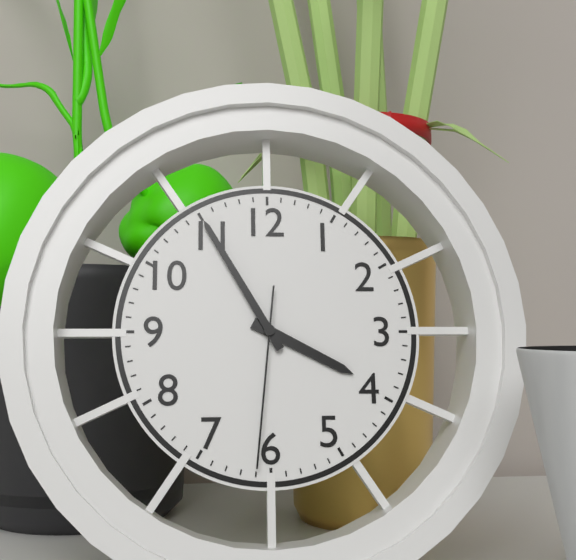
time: **3:55:31**
